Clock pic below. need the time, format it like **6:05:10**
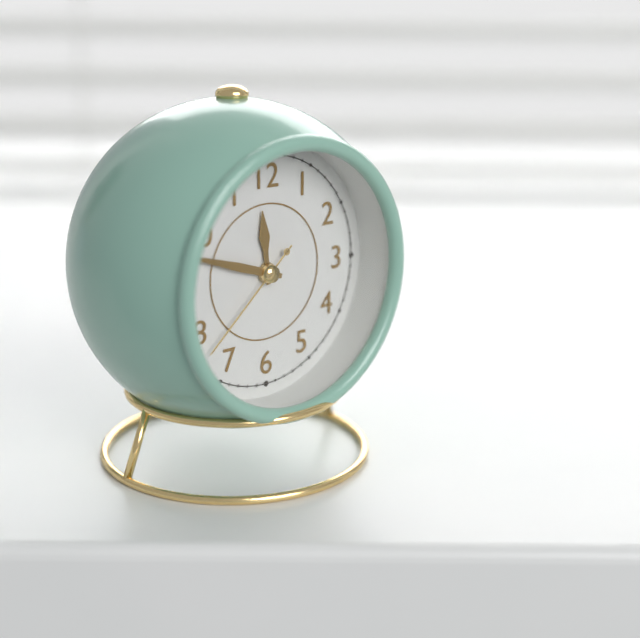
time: **11:48:38**
